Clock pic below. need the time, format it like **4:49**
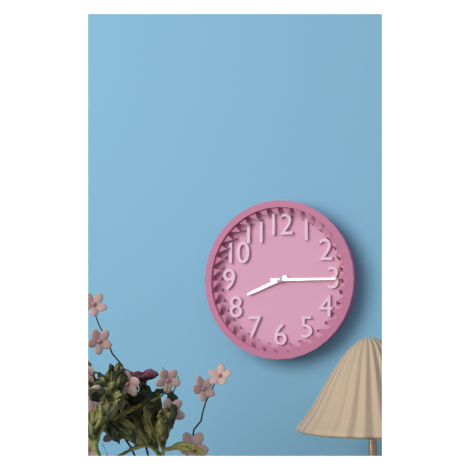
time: **8:15**
